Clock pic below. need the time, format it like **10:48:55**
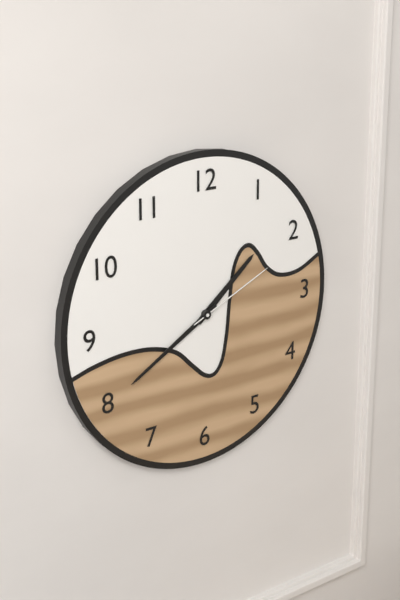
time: **1:40:11**
